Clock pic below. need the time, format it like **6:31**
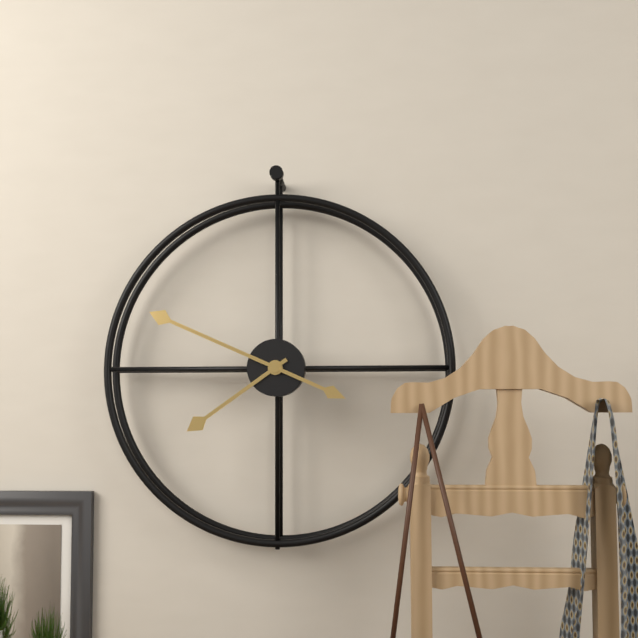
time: **7:49**
